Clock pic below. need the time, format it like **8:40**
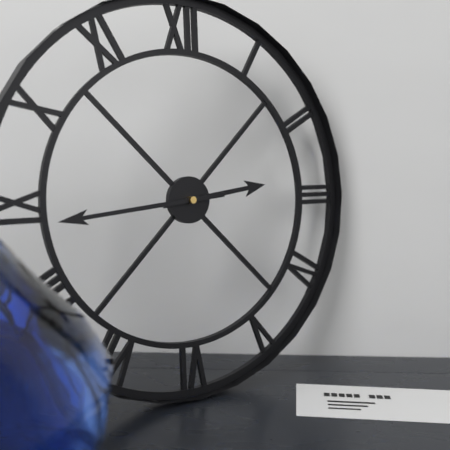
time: **2:44**
